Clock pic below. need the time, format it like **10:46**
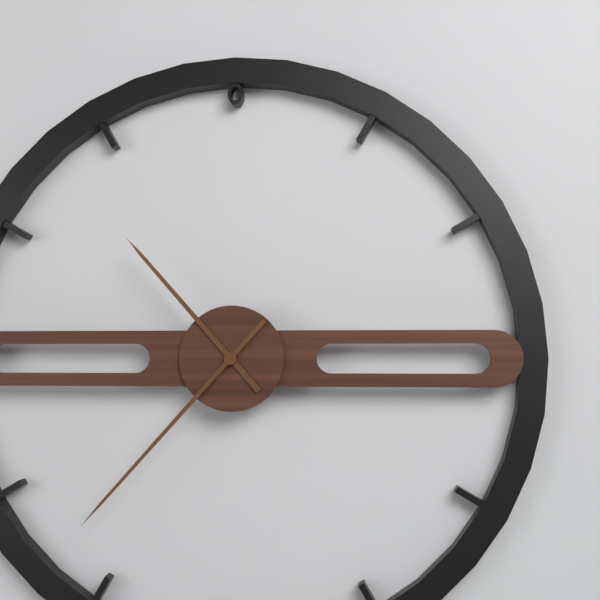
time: **10:37**
